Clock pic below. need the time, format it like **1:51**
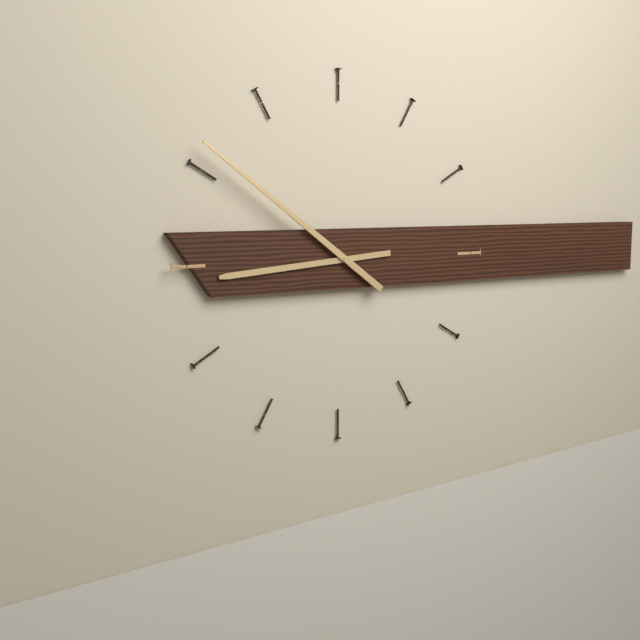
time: **8:51**
